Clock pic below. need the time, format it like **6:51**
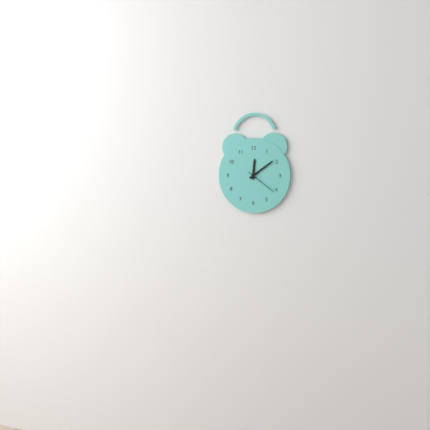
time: **12:09**
